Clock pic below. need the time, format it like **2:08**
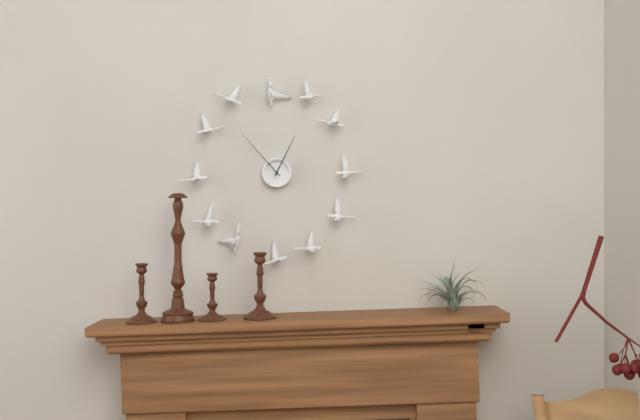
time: **12:53**
